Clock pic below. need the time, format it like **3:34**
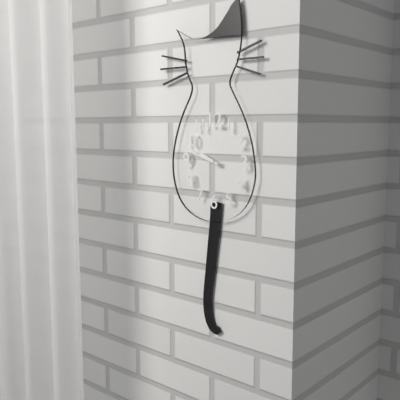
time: **9:48**
